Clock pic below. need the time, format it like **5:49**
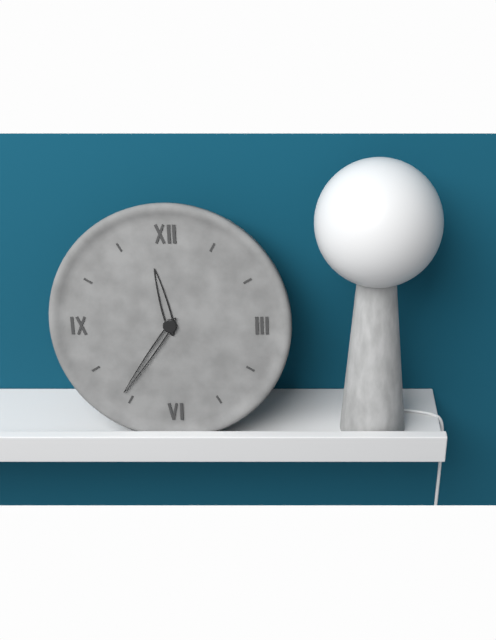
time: **11:36**
